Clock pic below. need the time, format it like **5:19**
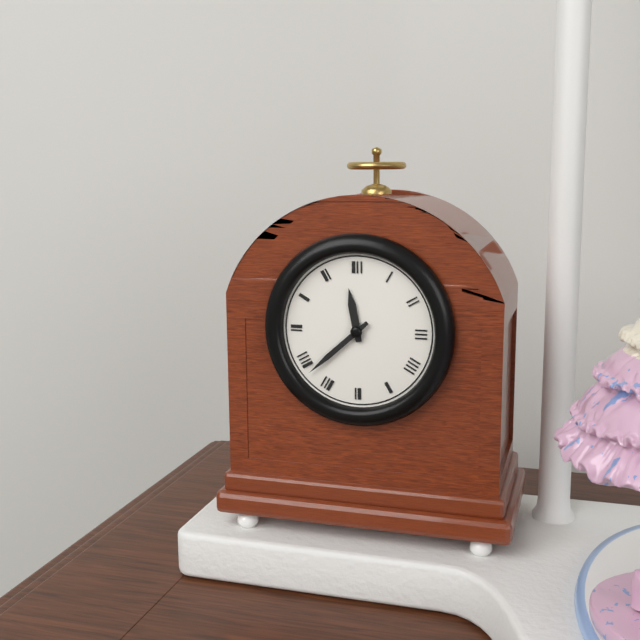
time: **11:38**
